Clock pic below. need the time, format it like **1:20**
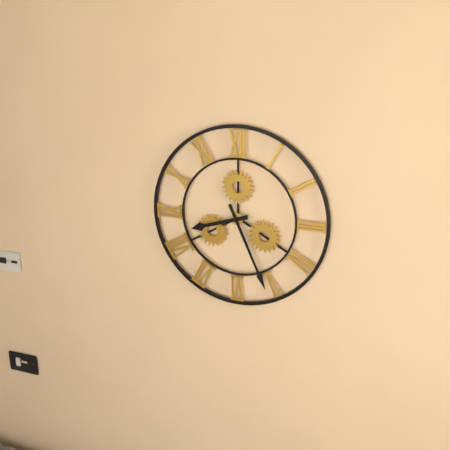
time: **8:26**
